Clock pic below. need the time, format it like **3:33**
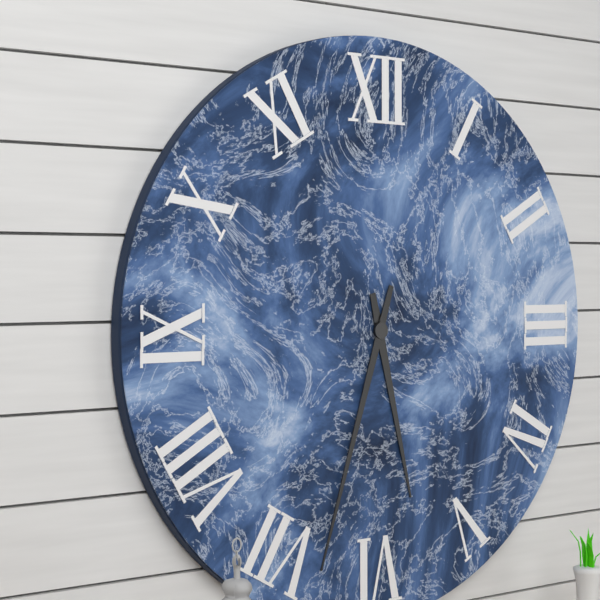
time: **5:33**
